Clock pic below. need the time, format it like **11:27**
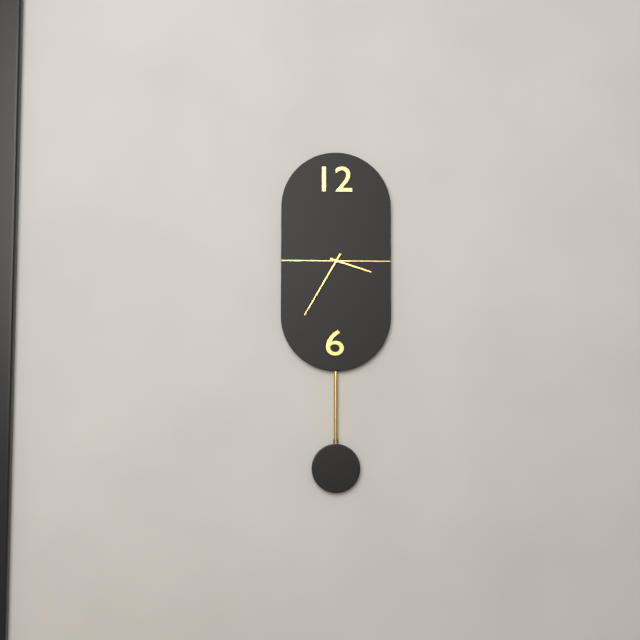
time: **3:35**
